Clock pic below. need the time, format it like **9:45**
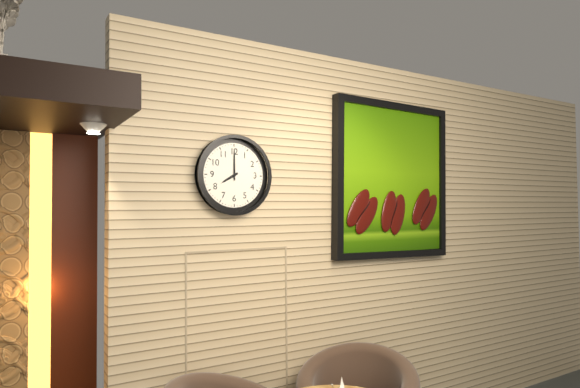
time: **8:00**
